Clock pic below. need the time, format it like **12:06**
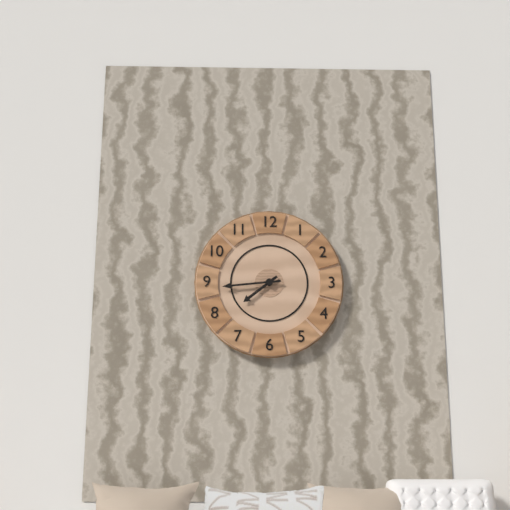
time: **7:44**
